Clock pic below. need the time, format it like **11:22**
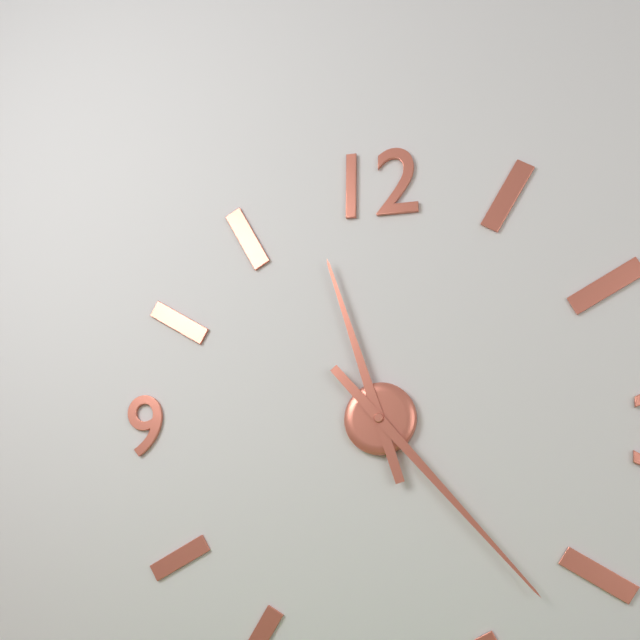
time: **11:23**
